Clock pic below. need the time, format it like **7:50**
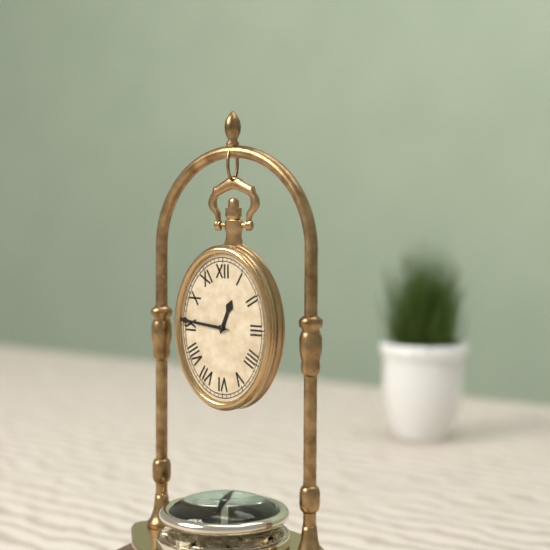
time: **12:46**
